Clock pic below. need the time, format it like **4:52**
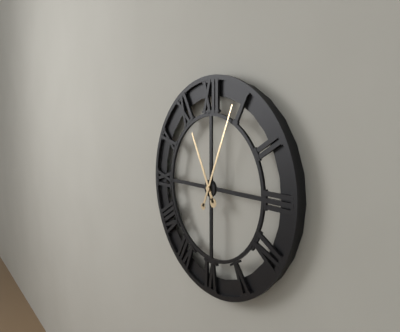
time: **11:04**
